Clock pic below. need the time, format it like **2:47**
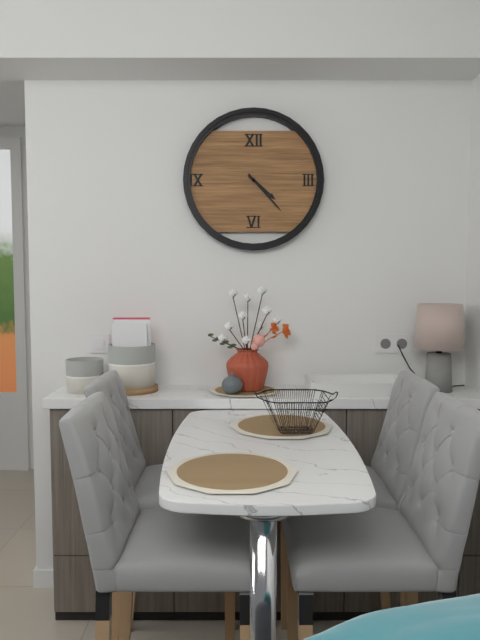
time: **4:23**
